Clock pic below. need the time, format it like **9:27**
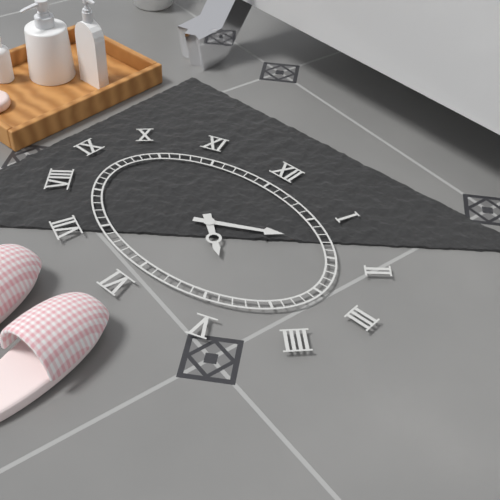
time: **4:10**
